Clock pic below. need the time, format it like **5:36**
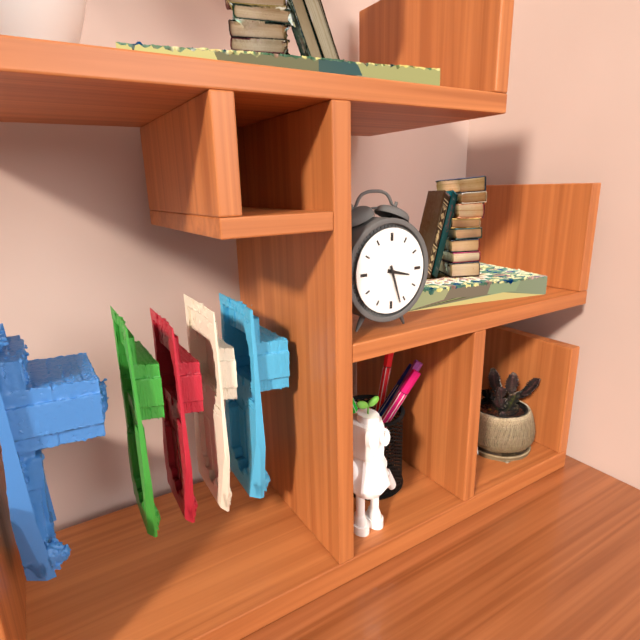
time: **3:27**
